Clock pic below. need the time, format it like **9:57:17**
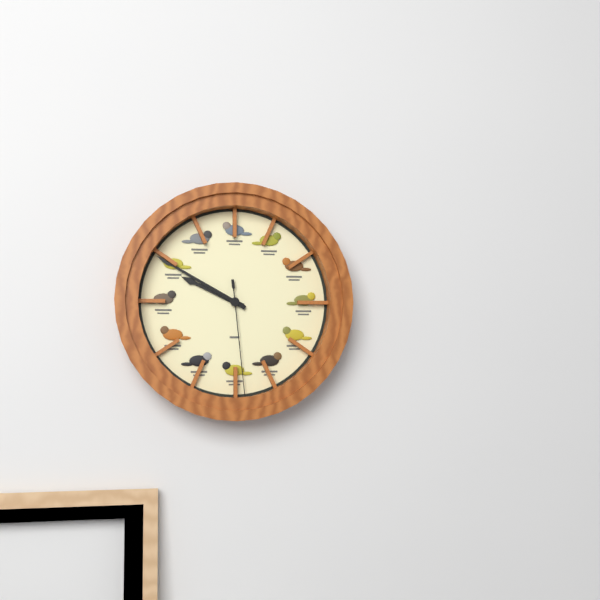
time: **9:50:29**
